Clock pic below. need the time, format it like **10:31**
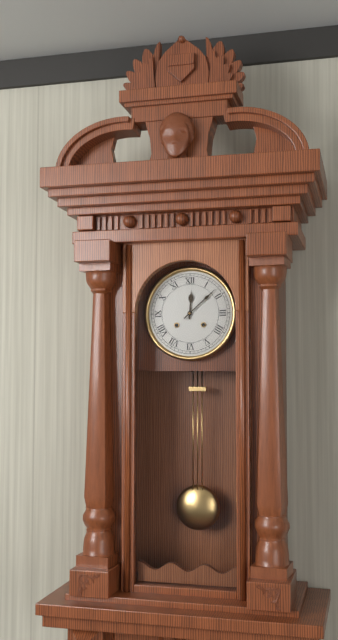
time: **12:08**
